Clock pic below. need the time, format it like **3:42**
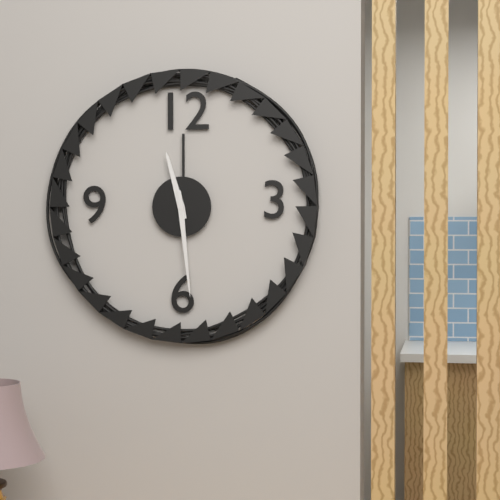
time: **11:29**
